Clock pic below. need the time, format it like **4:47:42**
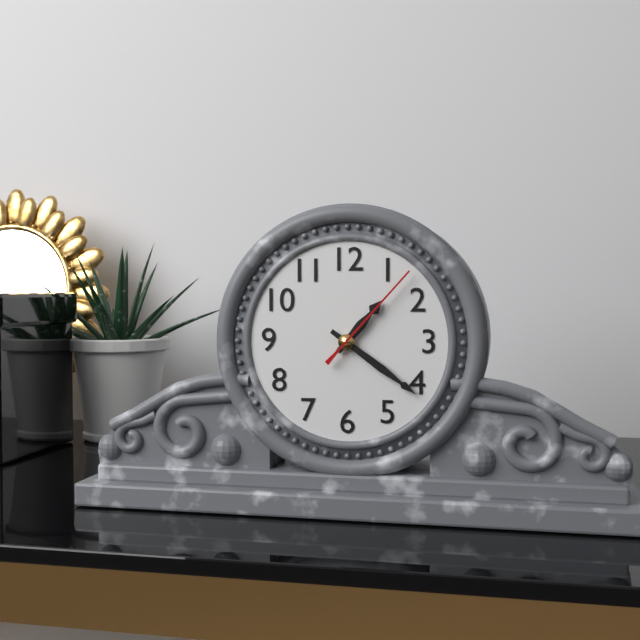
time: **1:21:07**
